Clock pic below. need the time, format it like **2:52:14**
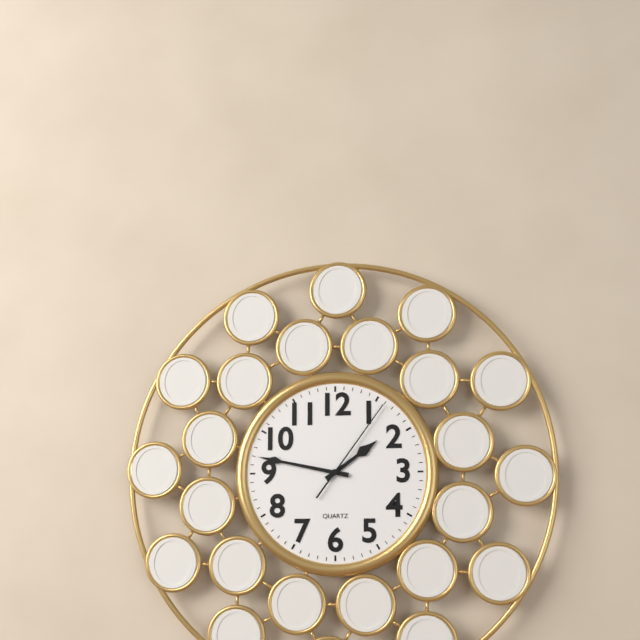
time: **1:47:06**
